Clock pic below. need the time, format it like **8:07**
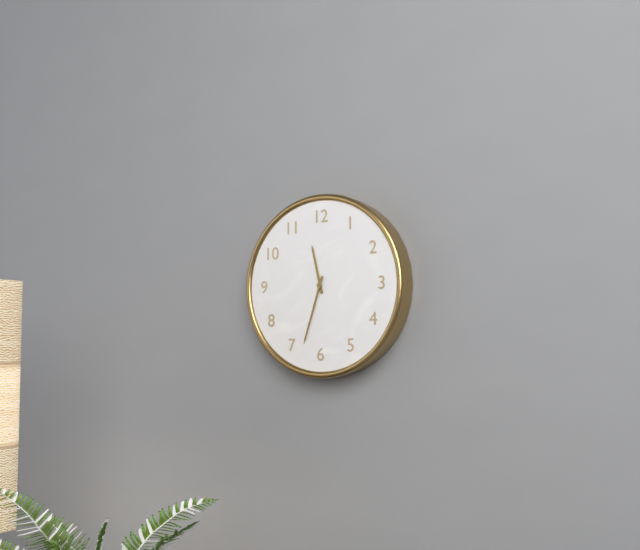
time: **11:33**
